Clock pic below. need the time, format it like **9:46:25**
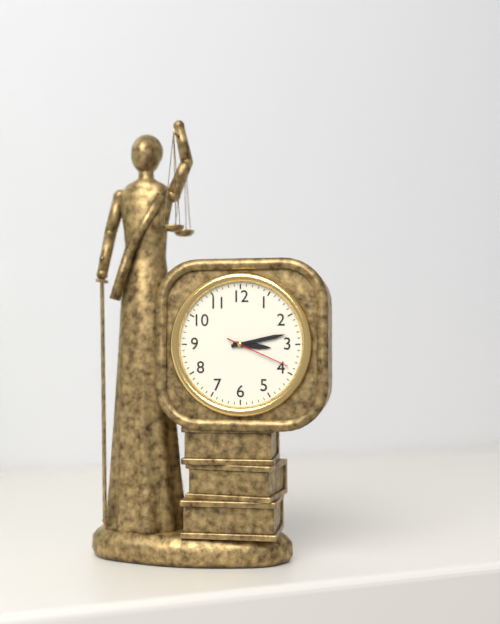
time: **3:13:19**
